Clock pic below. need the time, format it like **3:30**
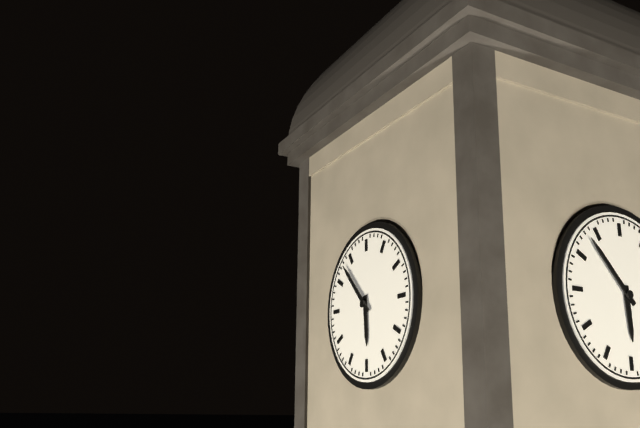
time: **5:53**
